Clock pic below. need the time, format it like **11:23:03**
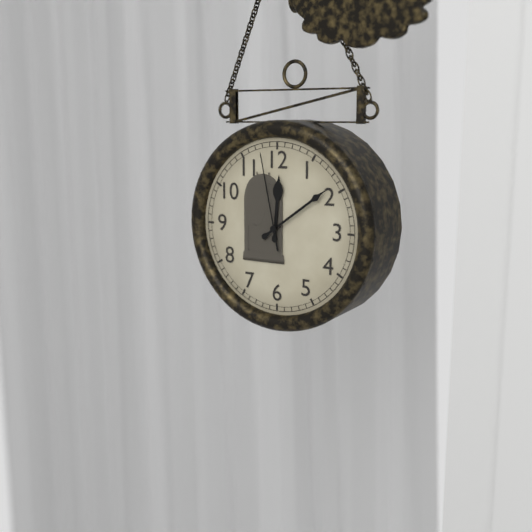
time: **12:09:58**
